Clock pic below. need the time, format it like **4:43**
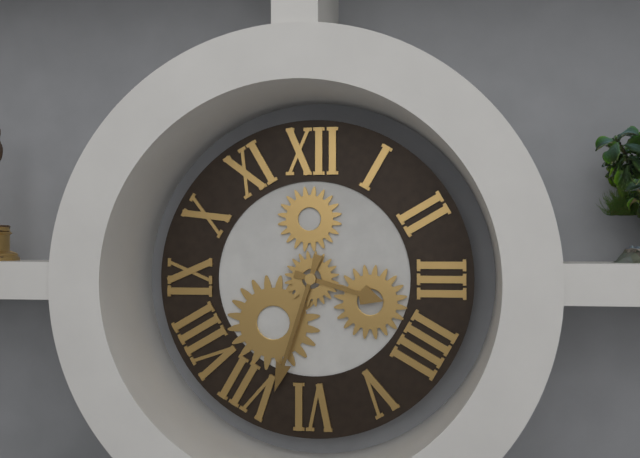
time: **3:33**
